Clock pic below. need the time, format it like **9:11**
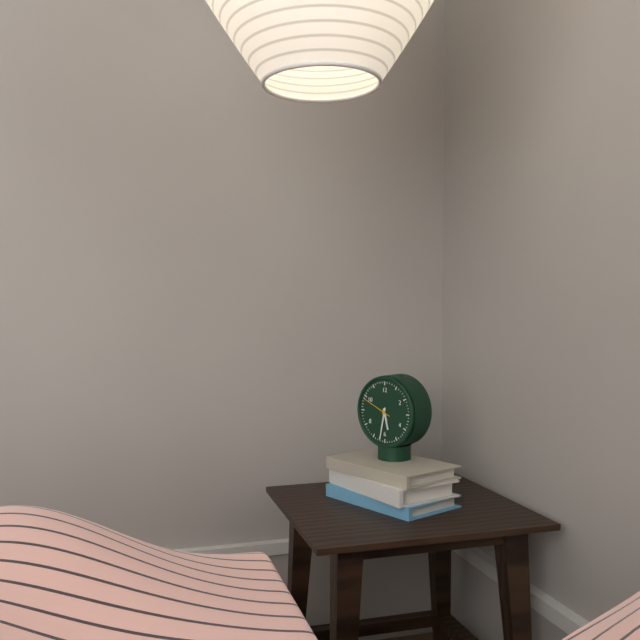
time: **5:32**
